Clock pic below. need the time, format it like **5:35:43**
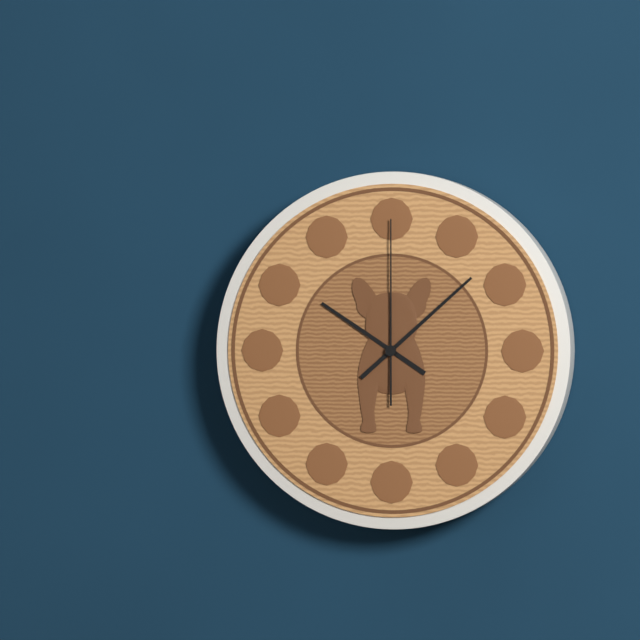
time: **10:08:00**
